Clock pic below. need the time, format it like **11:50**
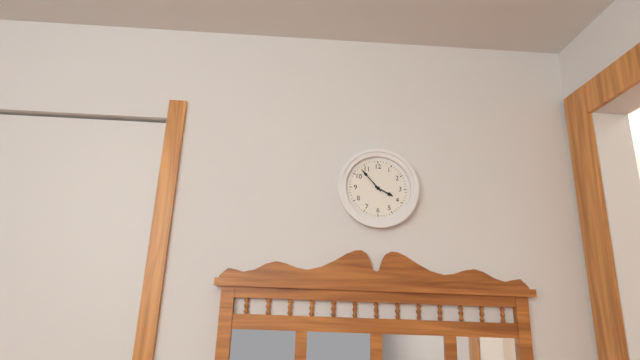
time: **3:53**
